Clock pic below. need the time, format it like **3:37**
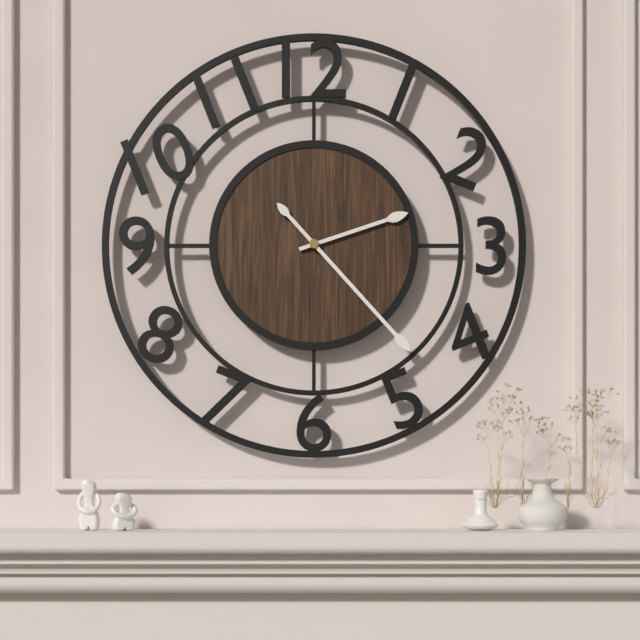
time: **2:23**
